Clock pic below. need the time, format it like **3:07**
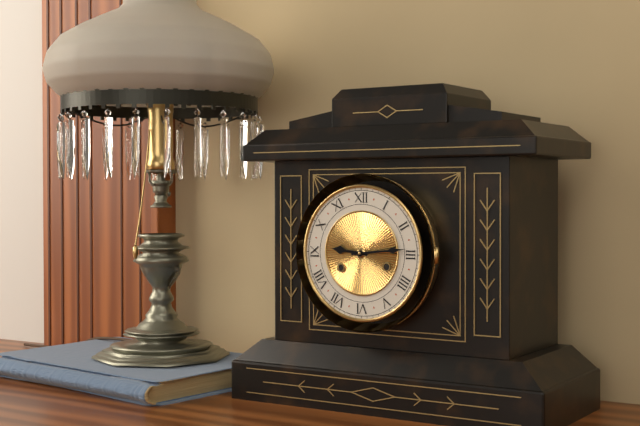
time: **9:14**
